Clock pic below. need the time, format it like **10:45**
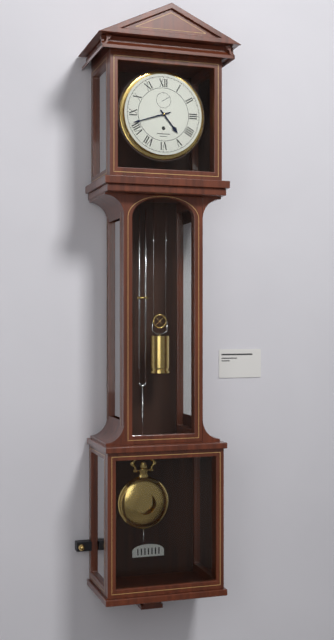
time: **4:42**
